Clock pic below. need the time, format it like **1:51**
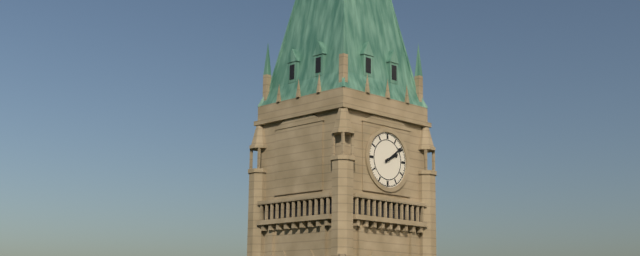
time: **2:09**
